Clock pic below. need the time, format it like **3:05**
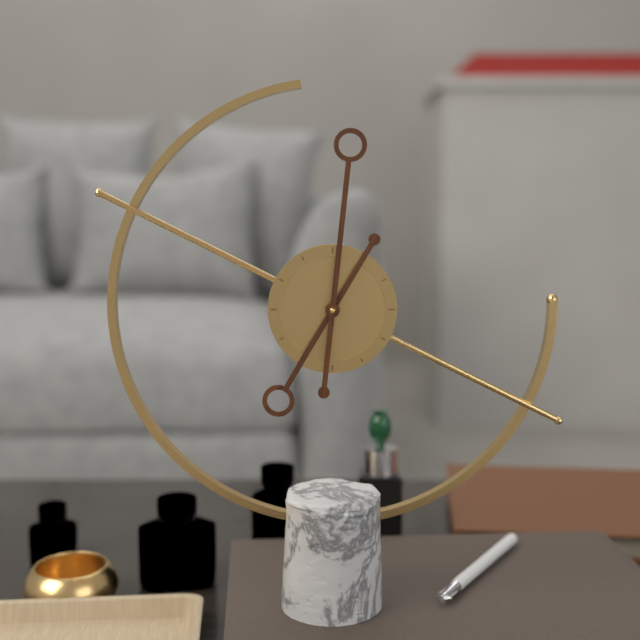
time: **7:01**
